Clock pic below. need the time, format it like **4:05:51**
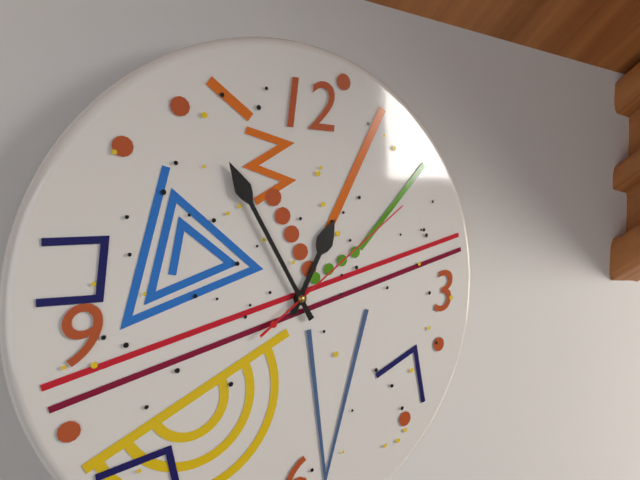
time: **12:55:09**
